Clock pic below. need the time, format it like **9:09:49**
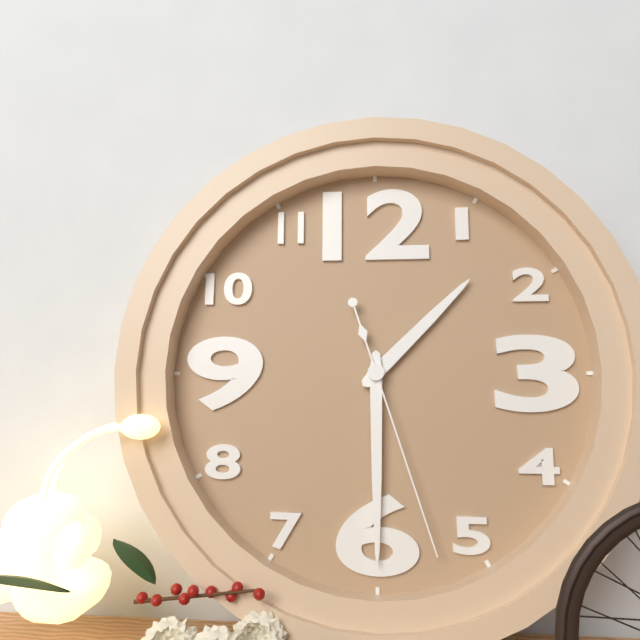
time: **1:30:27**
